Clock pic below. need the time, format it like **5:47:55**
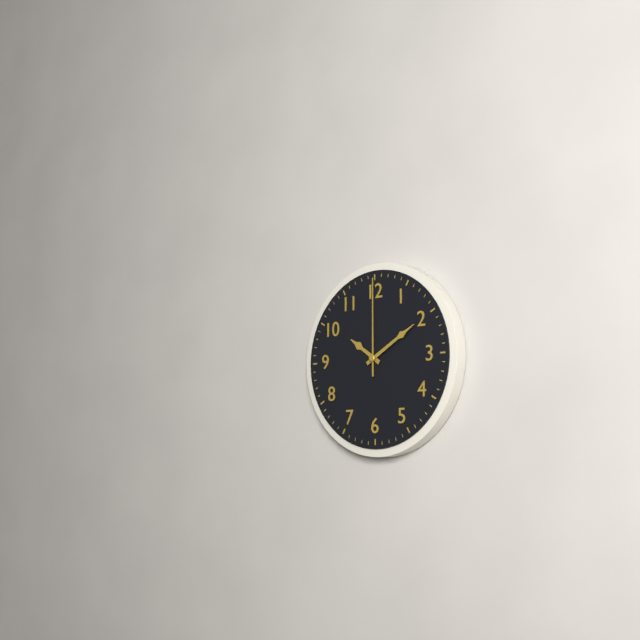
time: **10:10:00**
